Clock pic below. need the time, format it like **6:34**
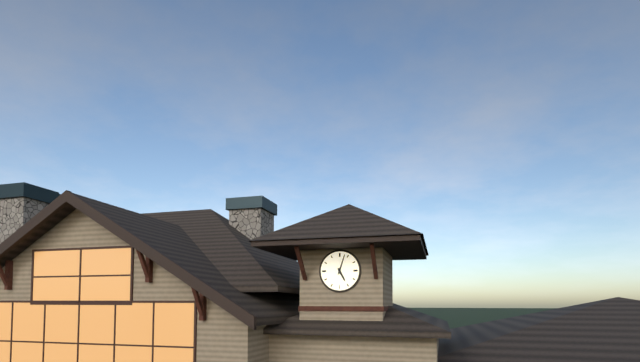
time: **5:03**
